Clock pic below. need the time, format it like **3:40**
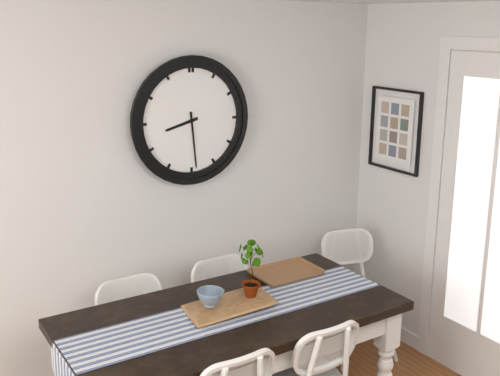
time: **8:29**
